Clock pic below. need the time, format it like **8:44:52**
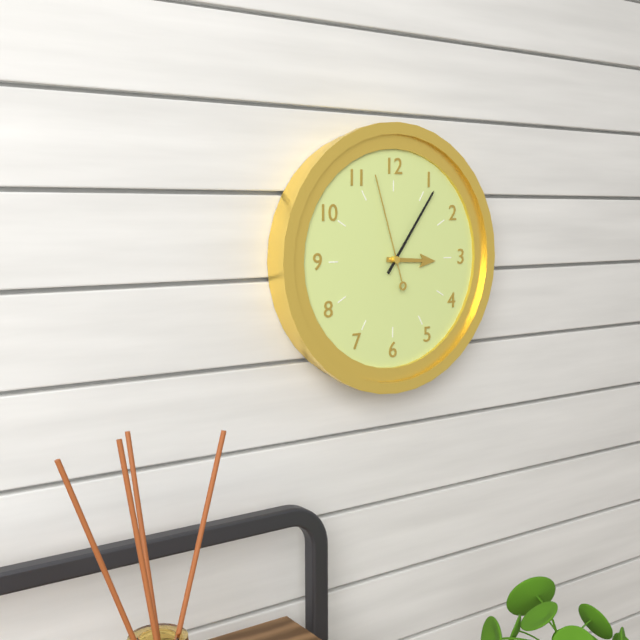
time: **3:06:57**
